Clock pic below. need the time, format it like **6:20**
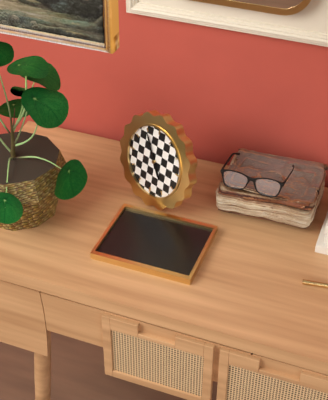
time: **4:55**
